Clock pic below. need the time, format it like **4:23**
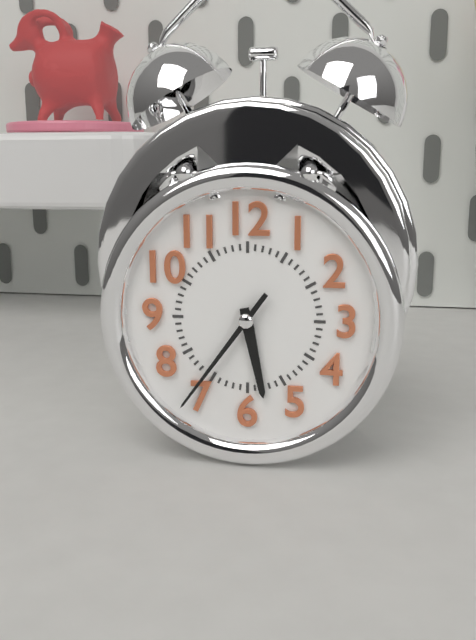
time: **5:36**
